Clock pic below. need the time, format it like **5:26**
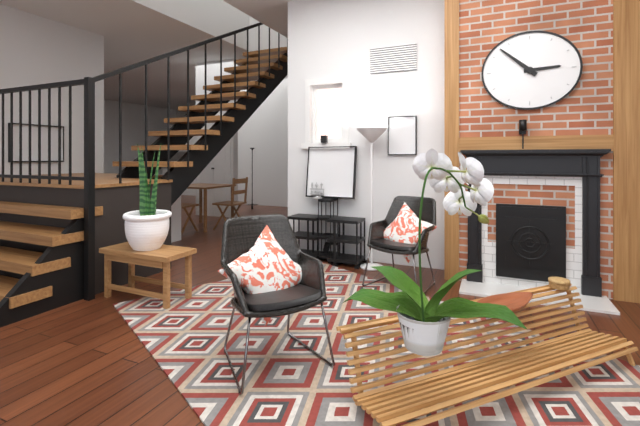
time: **2:52**
